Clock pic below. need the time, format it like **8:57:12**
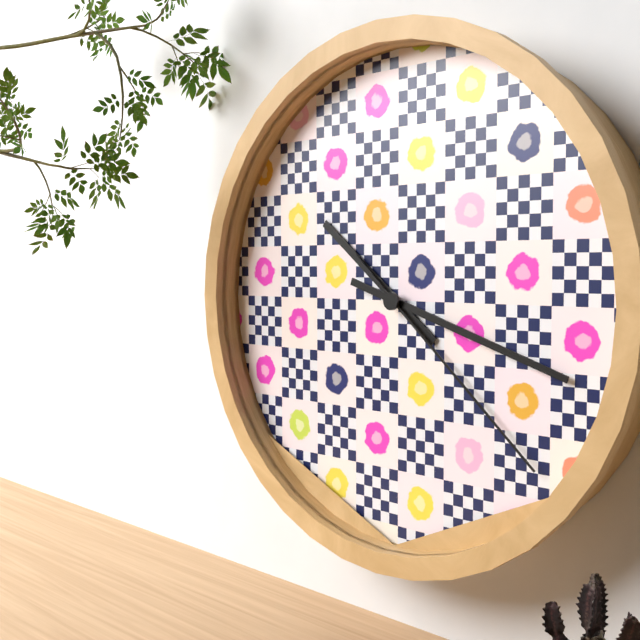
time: **10:18:22**
